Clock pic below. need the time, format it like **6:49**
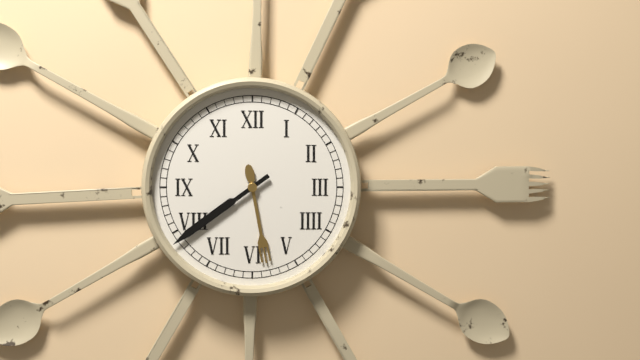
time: **5:39**
